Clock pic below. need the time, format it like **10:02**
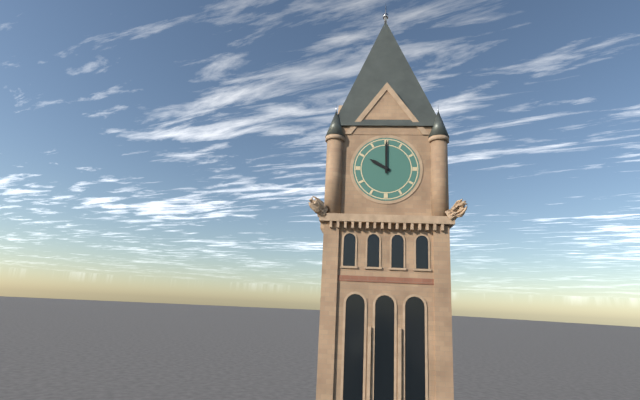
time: **10:00**
